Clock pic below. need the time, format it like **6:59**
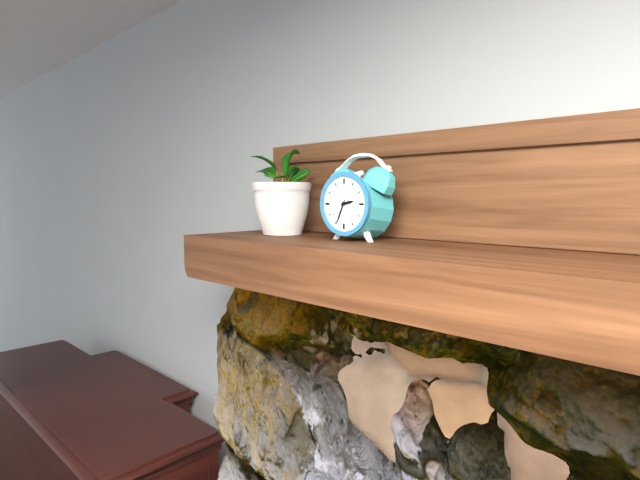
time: **2:34**
